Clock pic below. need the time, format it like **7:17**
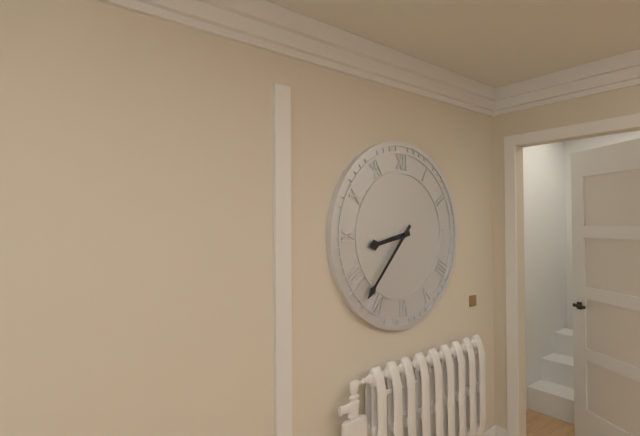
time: **8:37**
